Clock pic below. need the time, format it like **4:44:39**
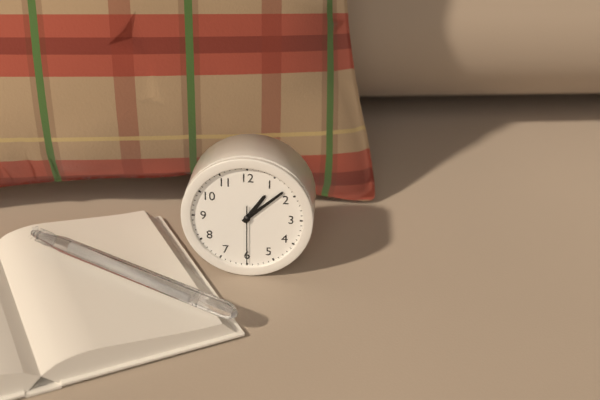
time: **1:08:30**
